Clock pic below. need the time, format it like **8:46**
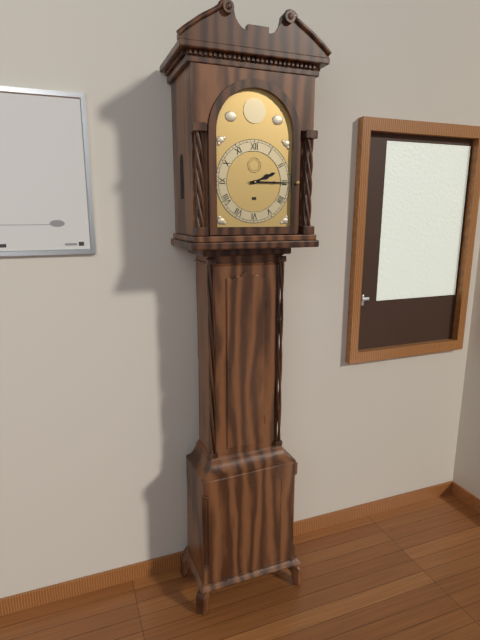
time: **2:15**
